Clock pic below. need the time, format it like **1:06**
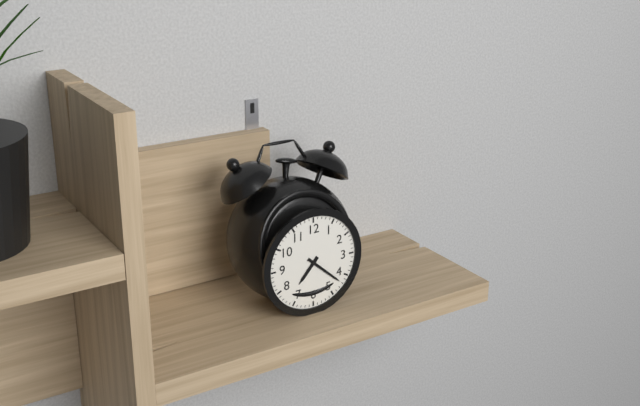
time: **7:22**
